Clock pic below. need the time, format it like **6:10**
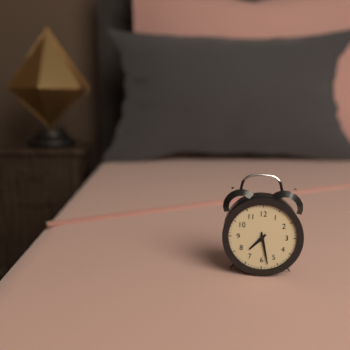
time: **7:28**
